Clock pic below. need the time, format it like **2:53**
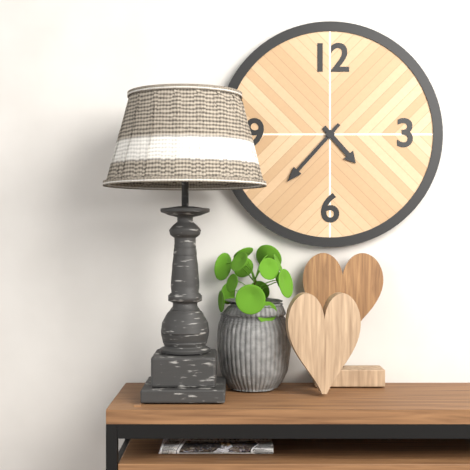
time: **4:37**
